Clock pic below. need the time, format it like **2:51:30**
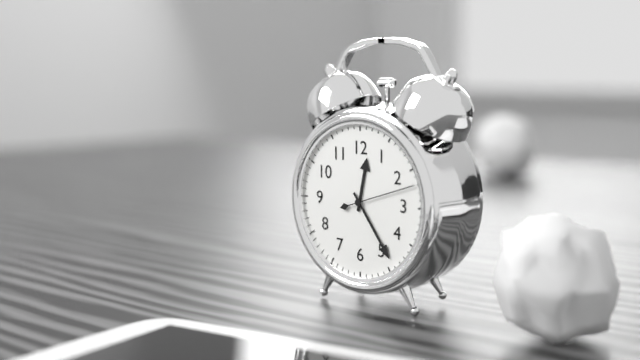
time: **12:24:12**
